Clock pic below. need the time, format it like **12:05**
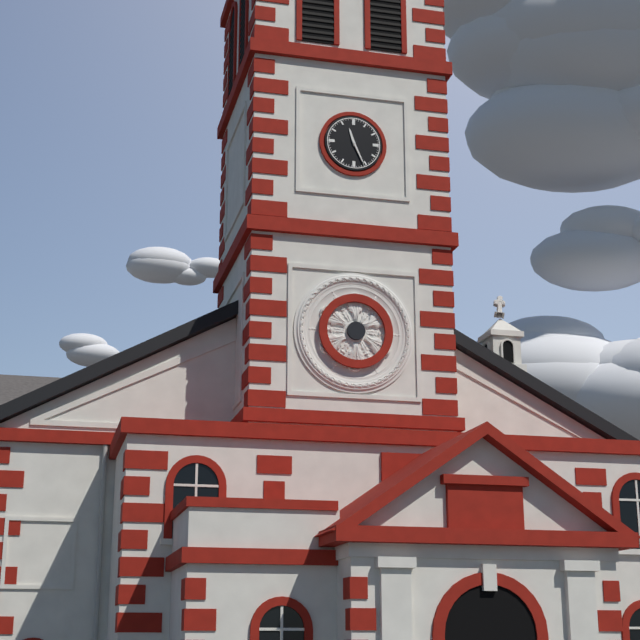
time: **11:26**
